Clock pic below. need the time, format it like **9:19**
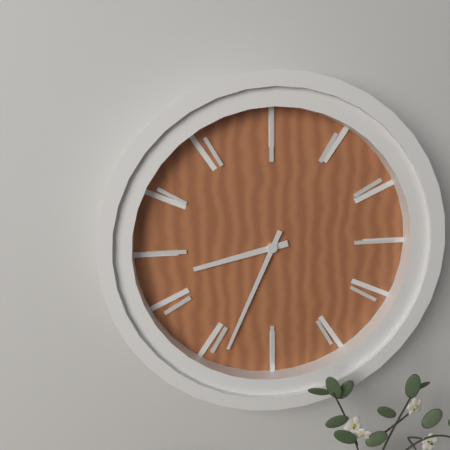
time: **8:34**
